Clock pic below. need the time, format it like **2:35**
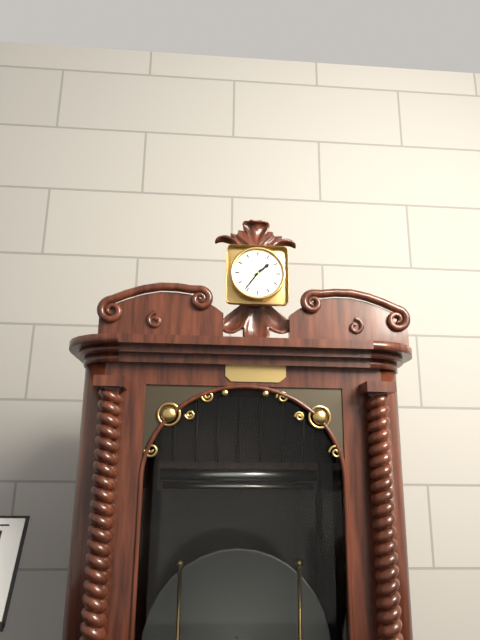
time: **1:36**
